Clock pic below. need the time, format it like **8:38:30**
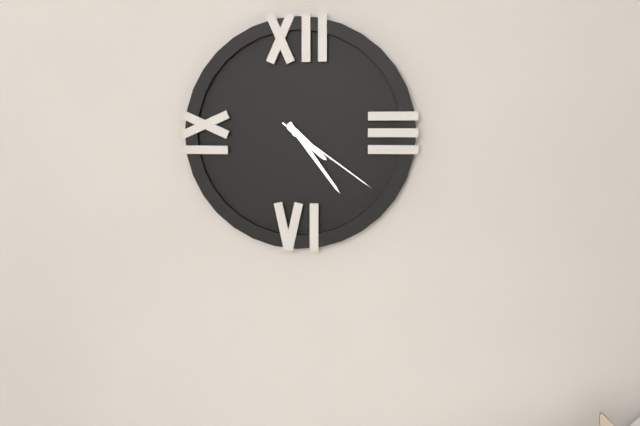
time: **4:24:21**
